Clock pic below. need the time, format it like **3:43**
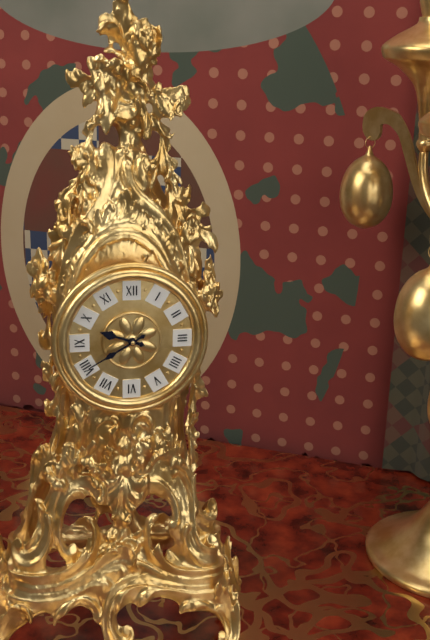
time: **9:40**
